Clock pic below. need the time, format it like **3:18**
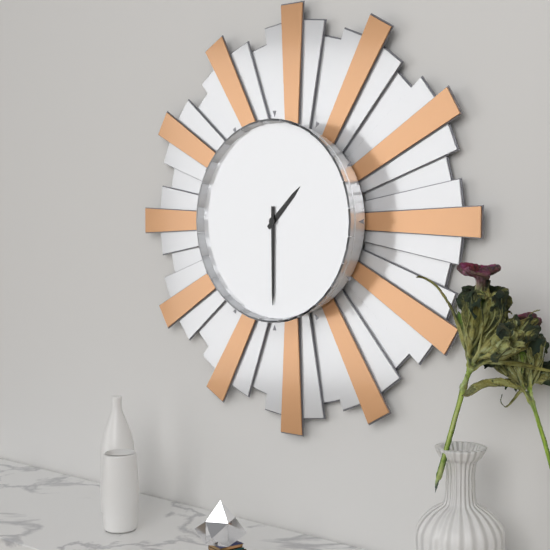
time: **1:30**
